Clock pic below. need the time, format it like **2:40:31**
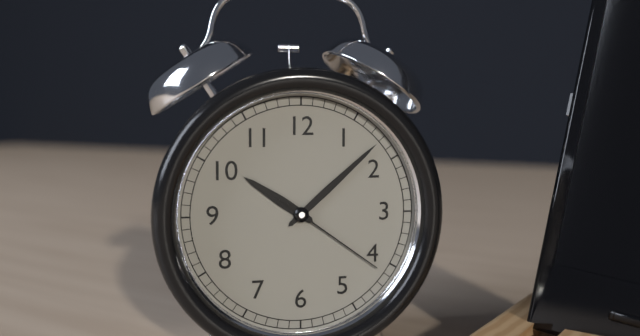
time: **10:08:21**
